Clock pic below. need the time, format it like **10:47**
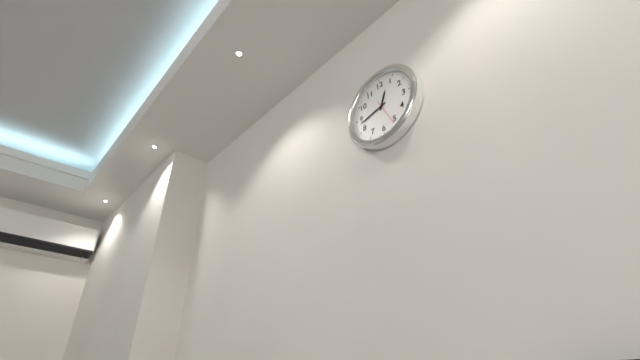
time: **12:43**
